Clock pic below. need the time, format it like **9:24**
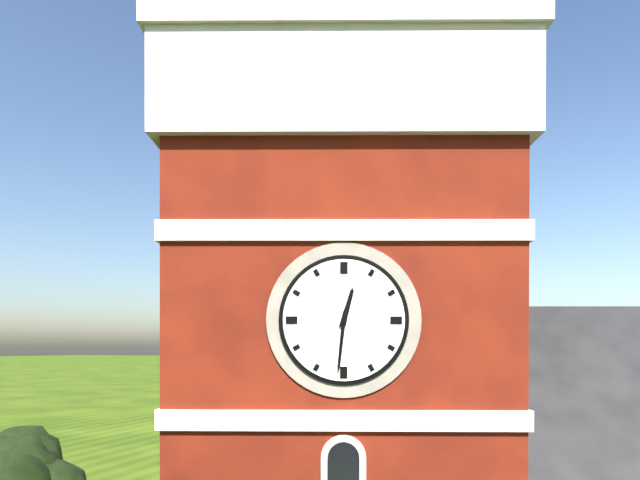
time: **12:31**
